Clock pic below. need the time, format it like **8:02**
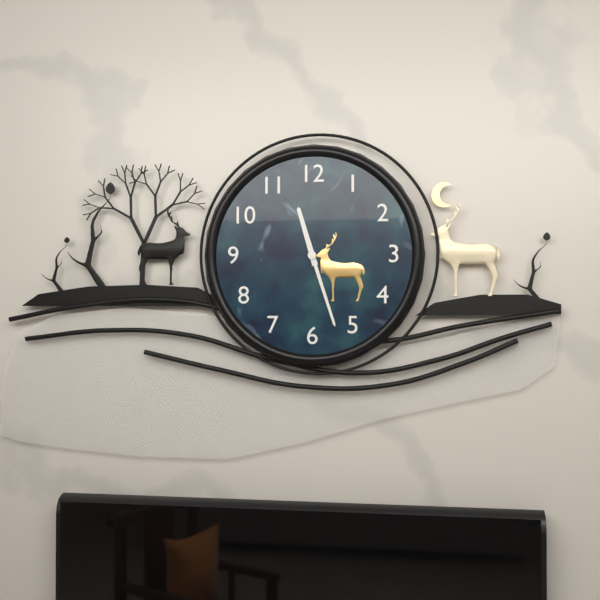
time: **11:27**
